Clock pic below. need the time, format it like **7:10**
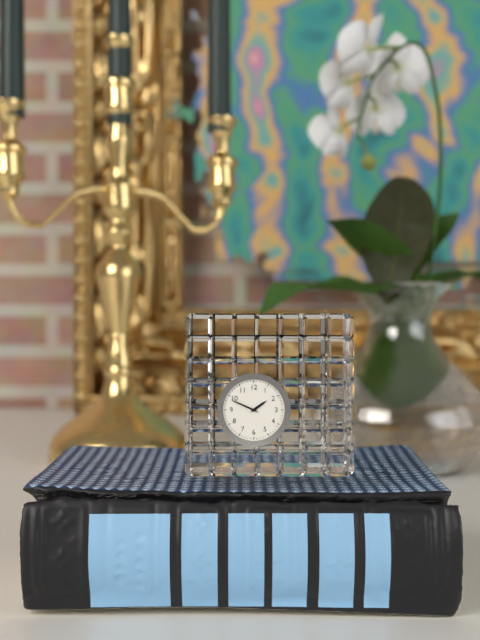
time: **1:49**
